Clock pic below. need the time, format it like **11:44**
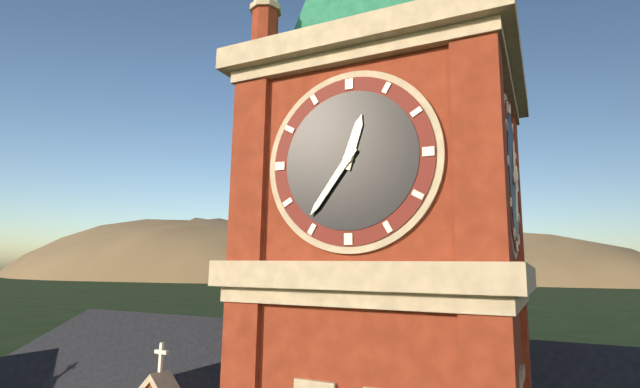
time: **12:36**
